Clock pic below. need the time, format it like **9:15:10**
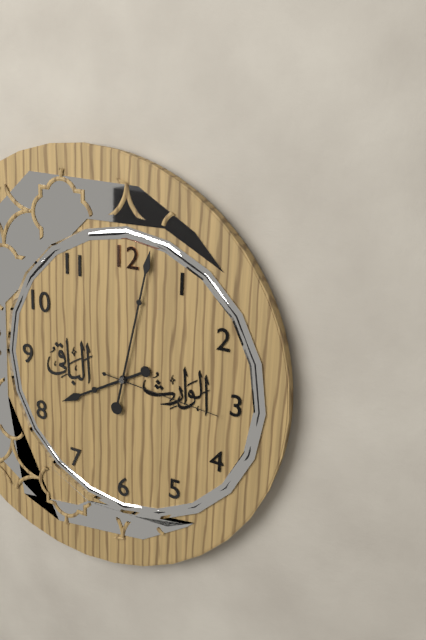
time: **8:02:16**
